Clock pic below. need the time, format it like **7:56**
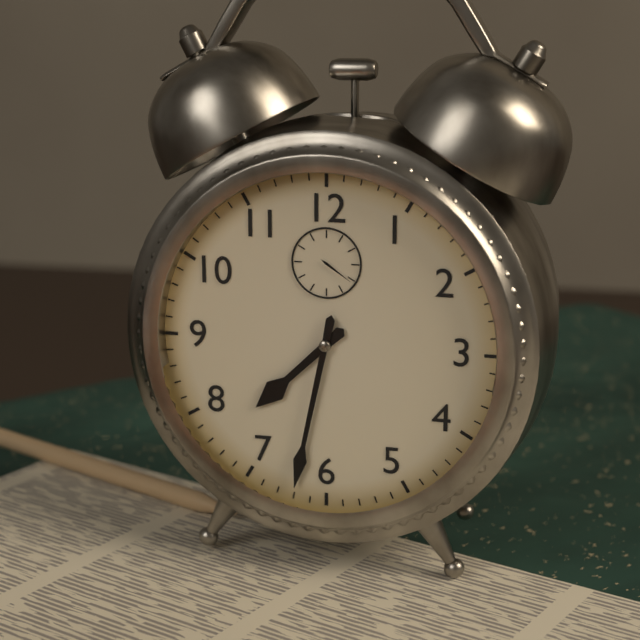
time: **7:32**
